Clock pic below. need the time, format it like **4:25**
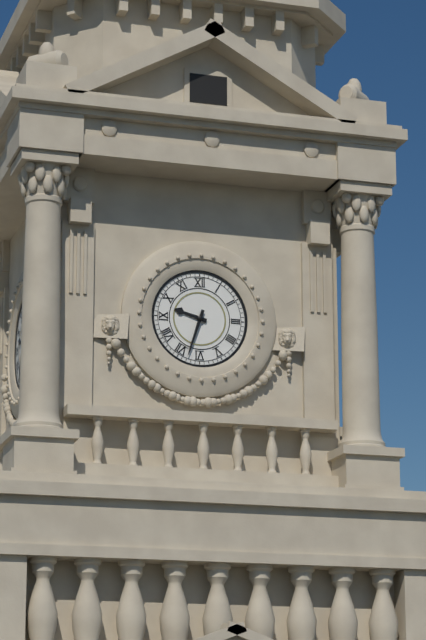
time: **9:33**
